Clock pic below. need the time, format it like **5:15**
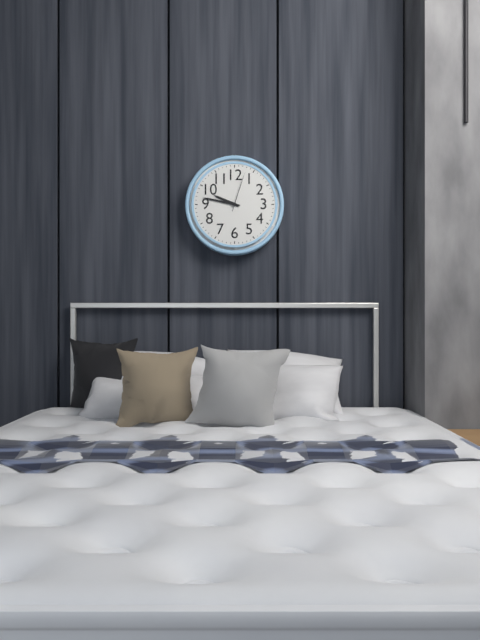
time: **9:47**
